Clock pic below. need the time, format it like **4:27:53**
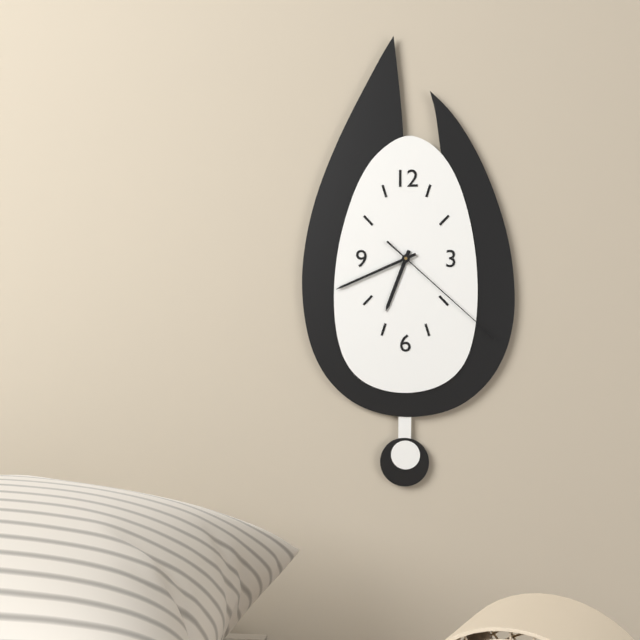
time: **6:41:22**
